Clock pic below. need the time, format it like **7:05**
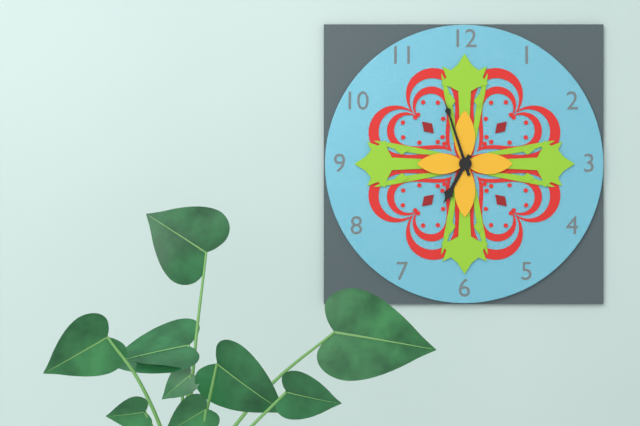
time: **6:57**
